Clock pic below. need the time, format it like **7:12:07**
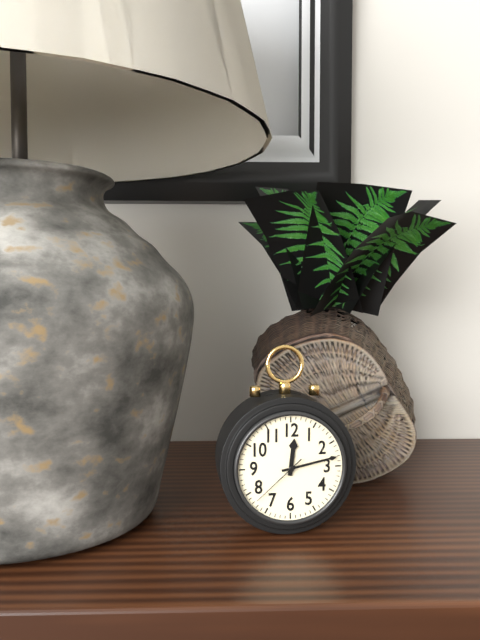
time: **12:13:38**
